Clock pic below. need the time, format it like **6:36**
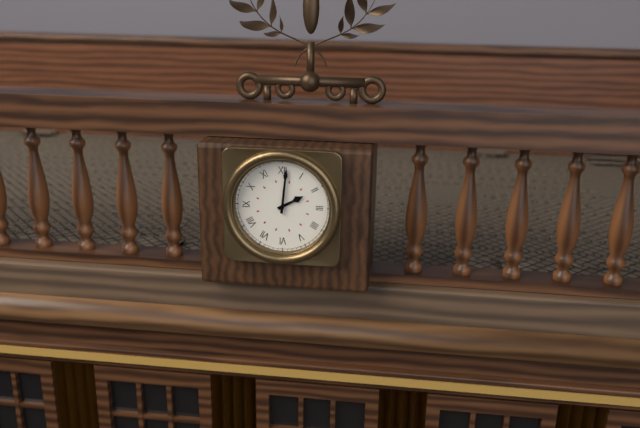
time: **2:01**
